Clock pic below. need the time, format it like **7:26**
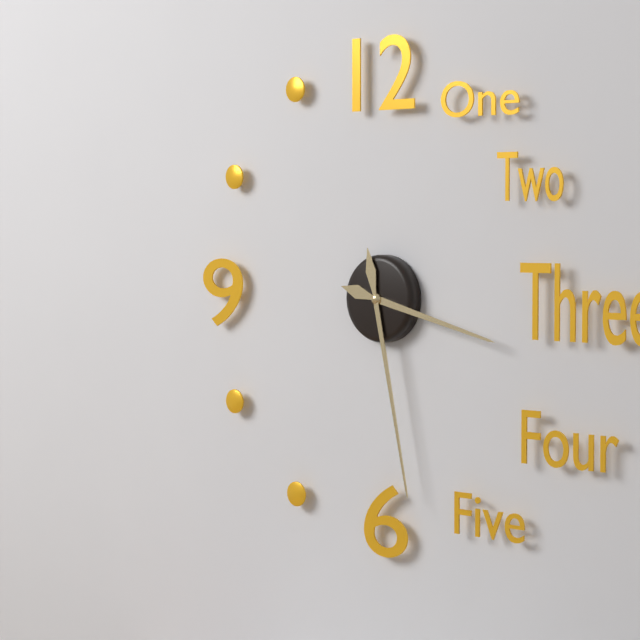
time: **3:28**
